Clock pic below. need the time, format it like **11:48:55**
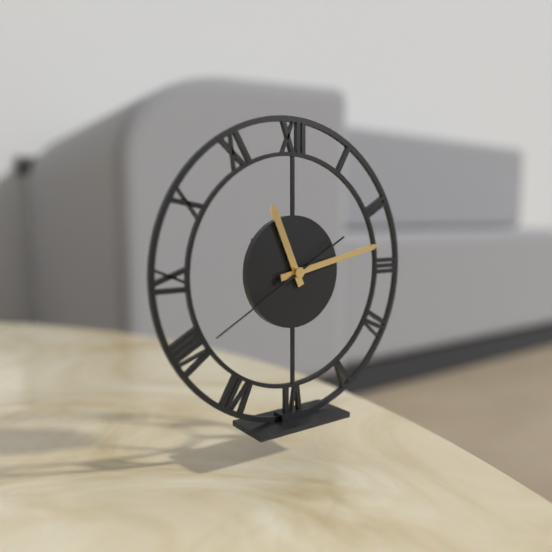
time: **11:13:40**
